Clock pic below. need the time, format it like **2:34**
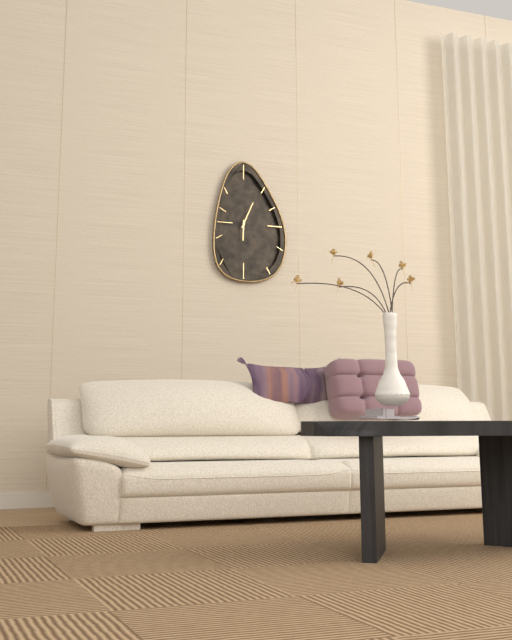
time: **6:04**
